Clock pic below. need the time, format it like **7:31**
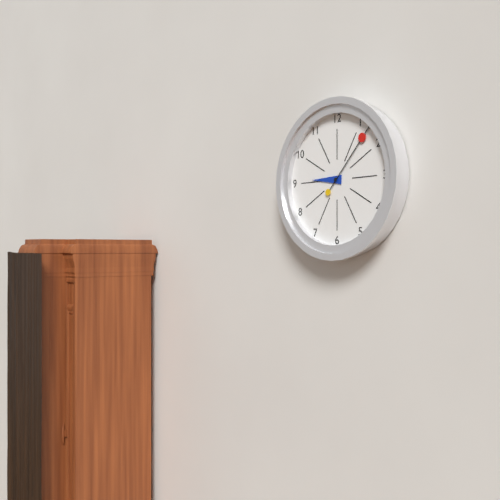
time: **9:07**
